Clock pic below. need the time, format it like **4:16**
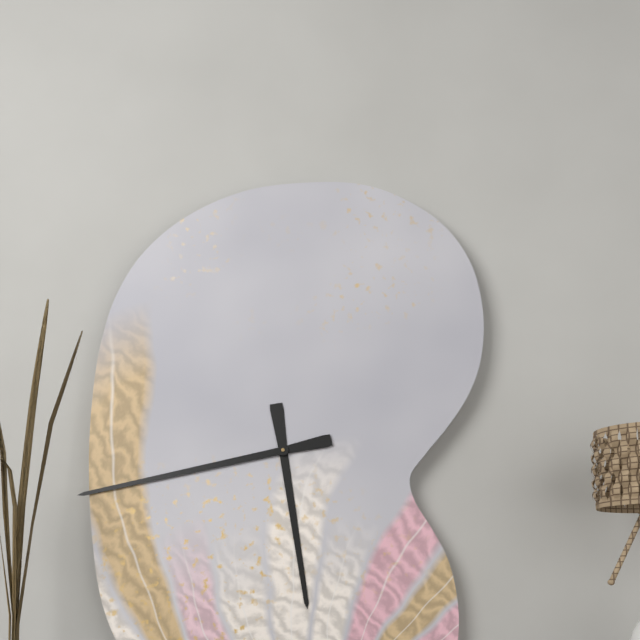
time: **5:43**
